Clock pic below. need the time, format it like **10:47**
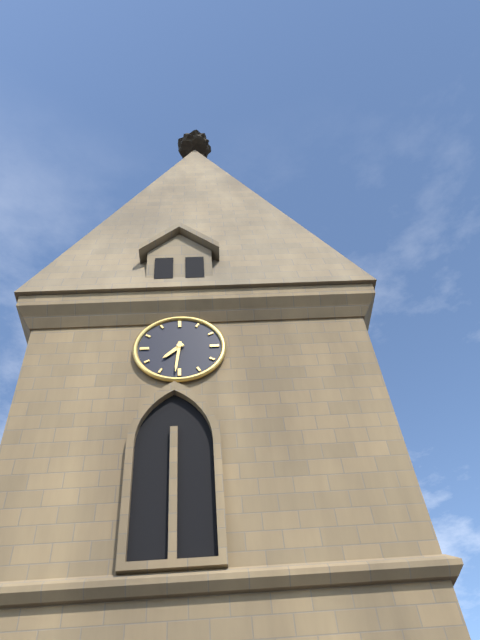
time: **7:31**
